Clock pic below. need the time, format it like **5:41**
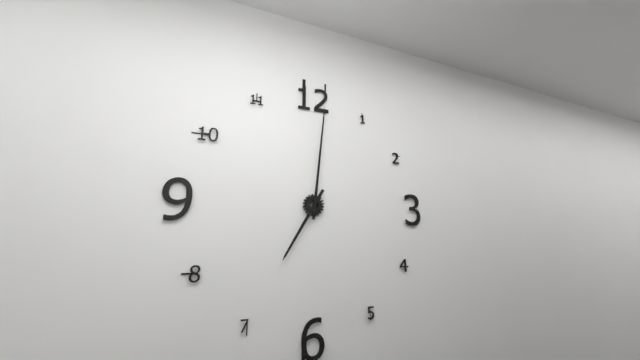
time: **7:01**
